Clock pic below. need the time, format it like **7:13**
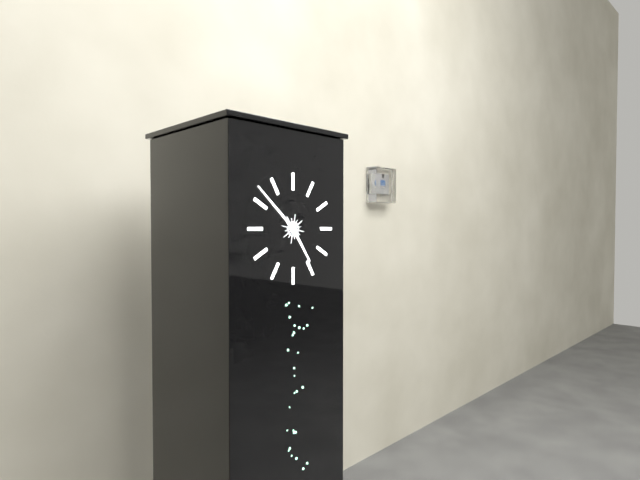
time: **4:52**
